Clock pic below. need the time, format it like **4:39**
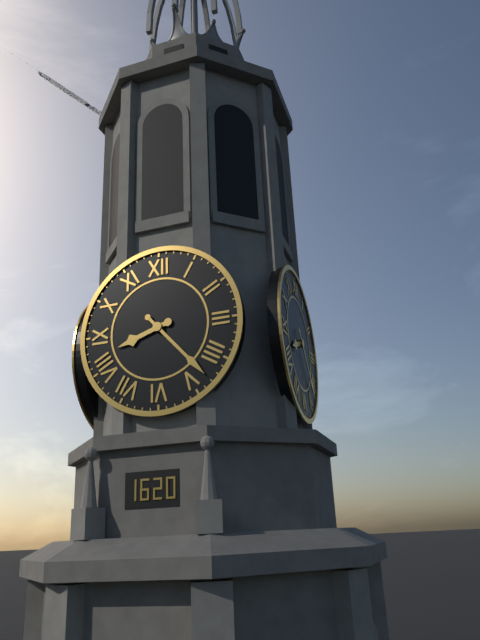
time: **8:23**
